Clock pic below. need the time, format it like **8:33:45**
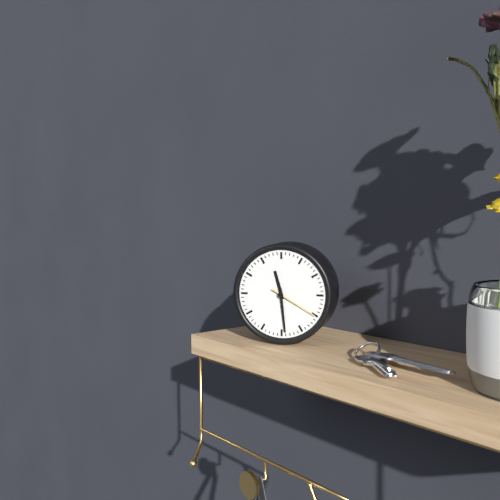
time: **11:29:20**
